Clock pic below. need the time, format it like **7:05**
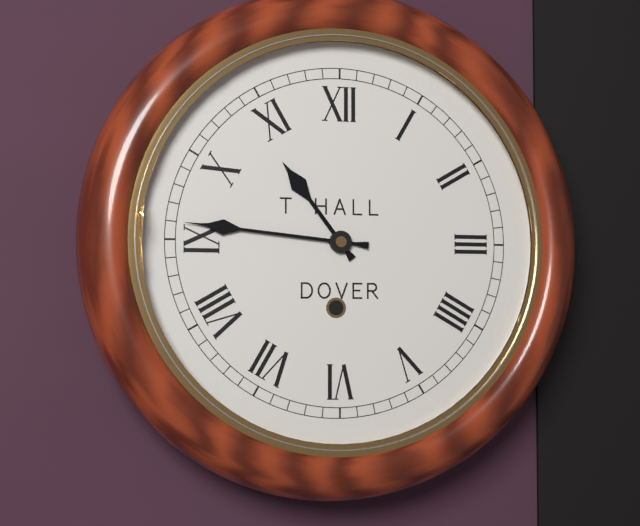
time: **10:46**
